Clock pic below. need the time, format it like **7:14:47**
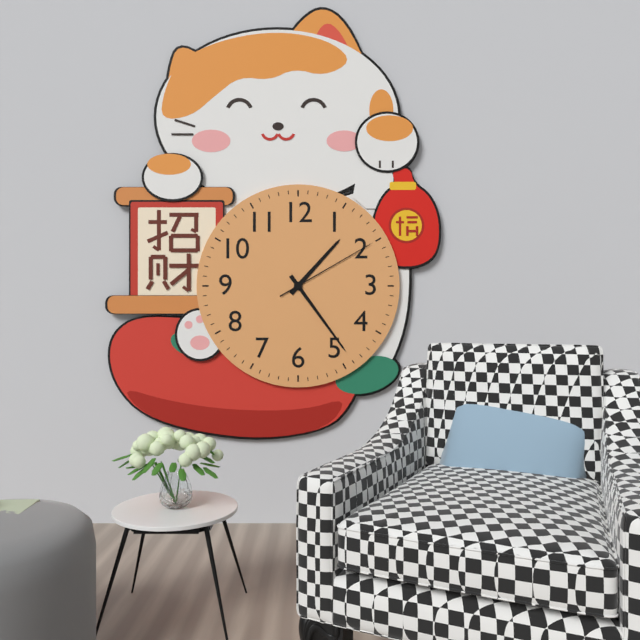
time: **1:24:10**
